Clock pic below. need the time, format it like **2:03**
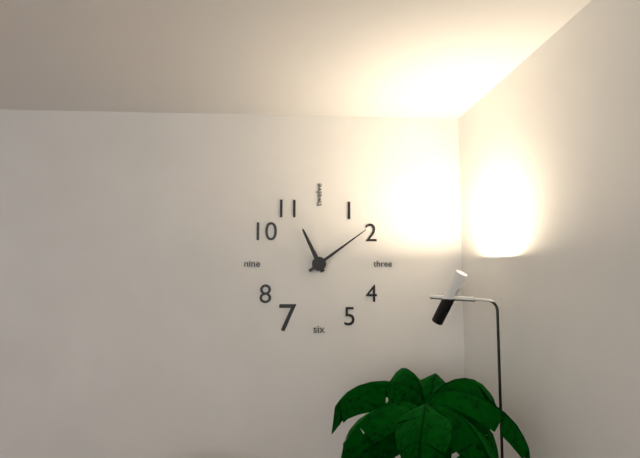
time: **11:09**
